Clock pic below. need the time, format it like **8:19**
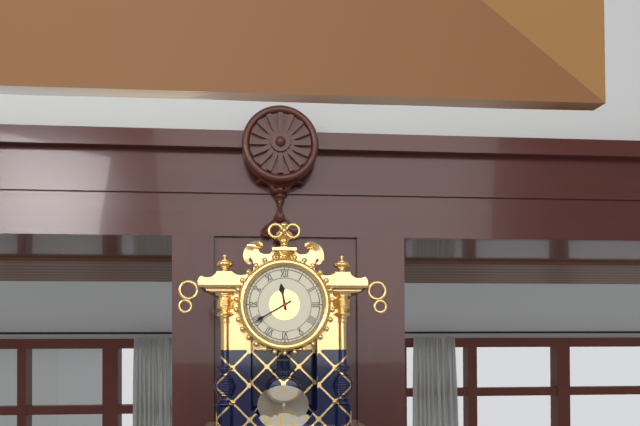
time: **11:40**
